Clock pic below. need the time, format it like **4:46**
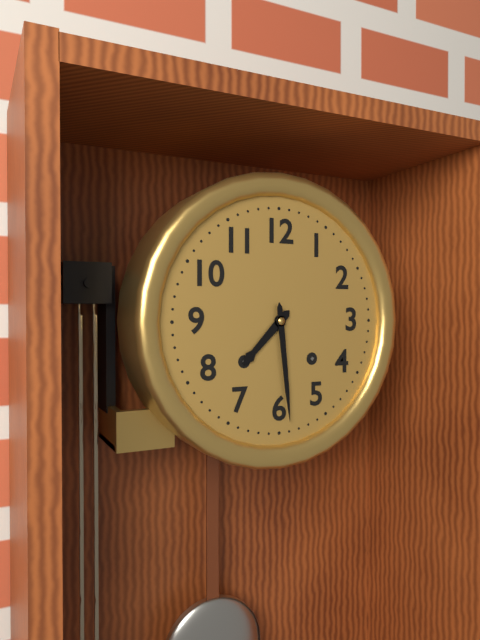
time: **7:29**
